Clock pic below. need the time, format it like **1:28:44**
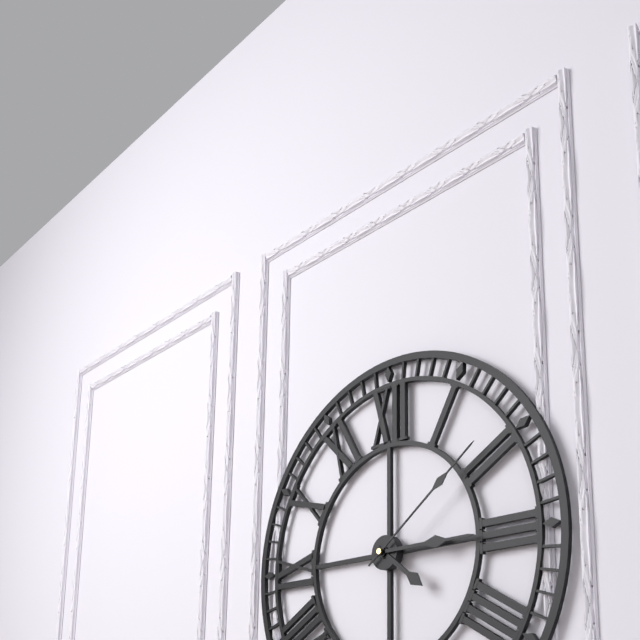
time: **4:15:09**
